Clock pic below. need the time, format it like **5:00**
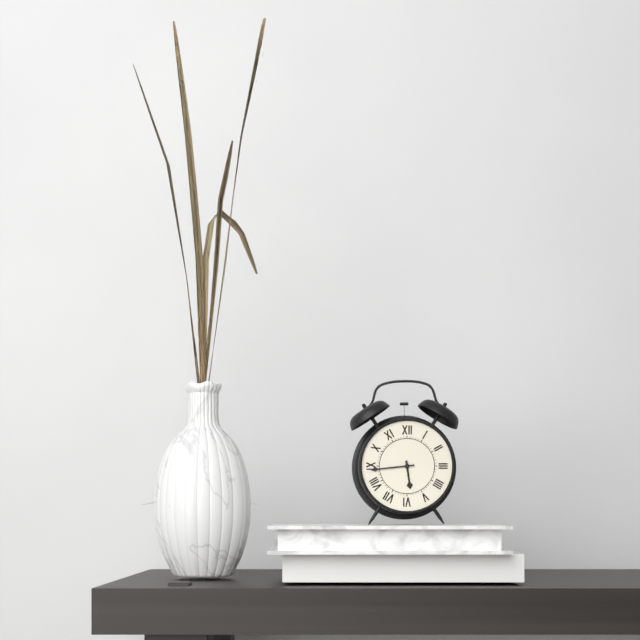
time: **5:44**
